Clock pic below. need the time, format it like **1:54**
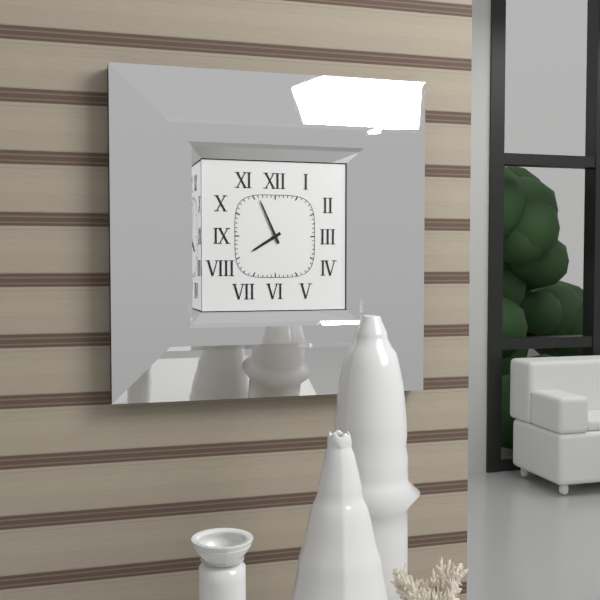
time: **7:56**
